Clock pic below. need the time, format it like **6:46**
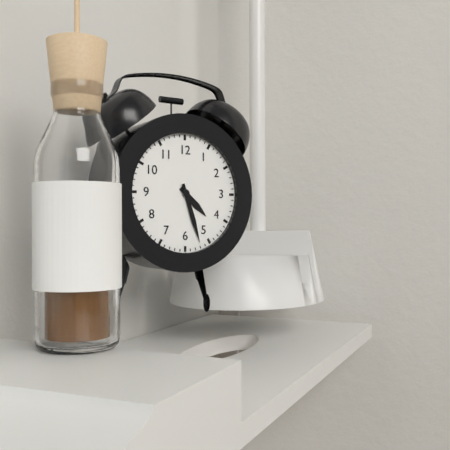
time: **4:27**
